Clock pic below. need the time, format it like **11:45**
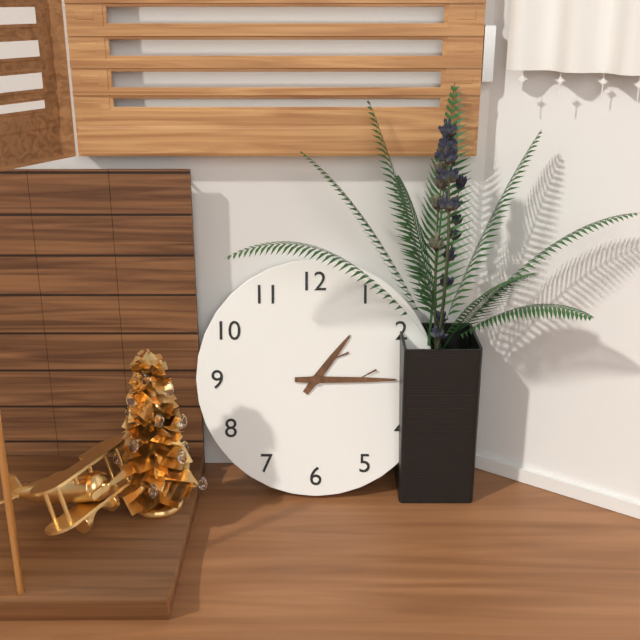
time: **1:15**
